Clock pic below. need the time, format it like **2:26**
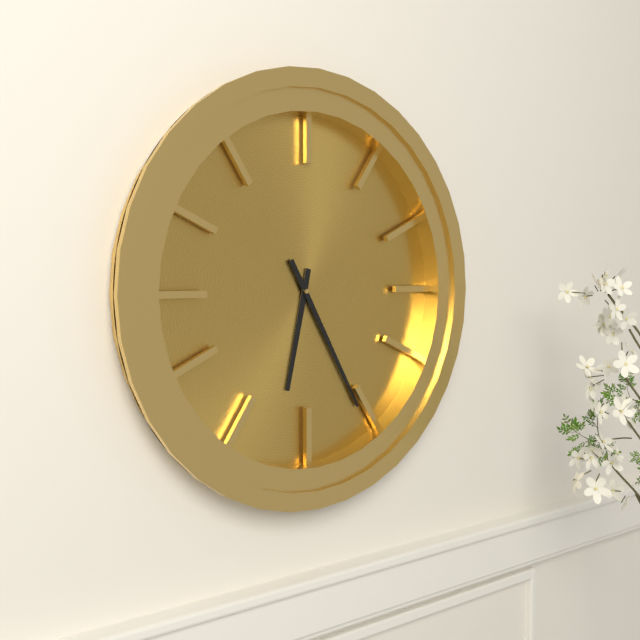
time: **6:25**
